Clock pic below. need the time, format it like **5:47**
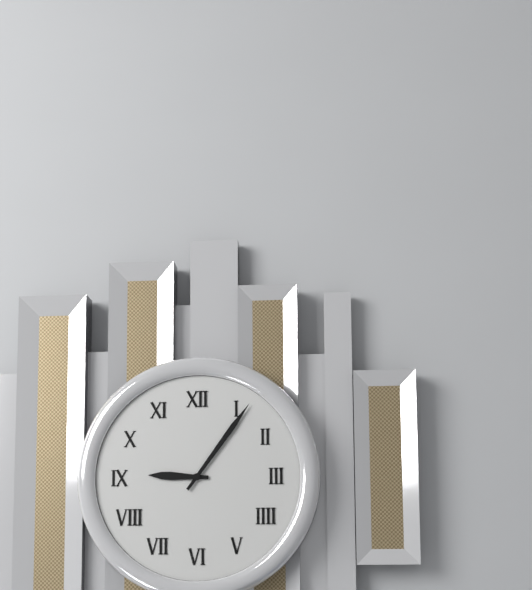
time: **9:06**
